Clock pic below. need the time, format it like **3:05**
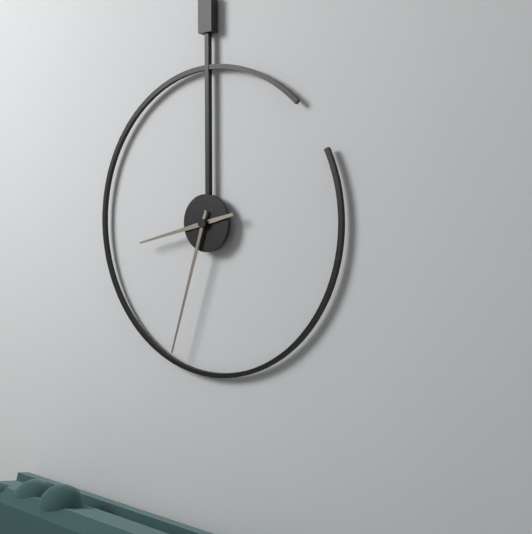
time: **8:33**
